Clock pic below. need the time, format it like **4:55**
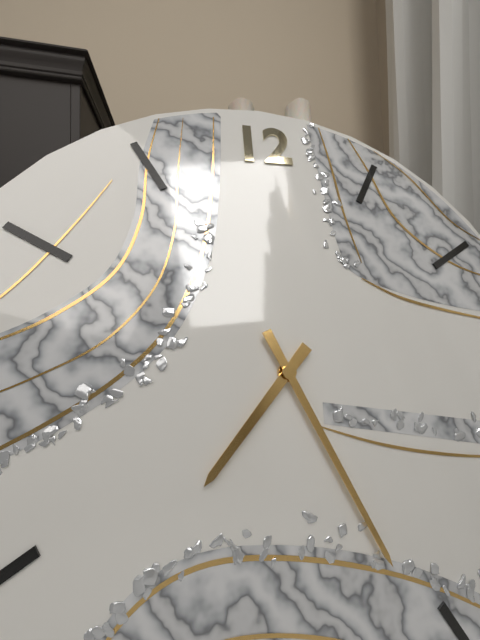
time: **7:26**
